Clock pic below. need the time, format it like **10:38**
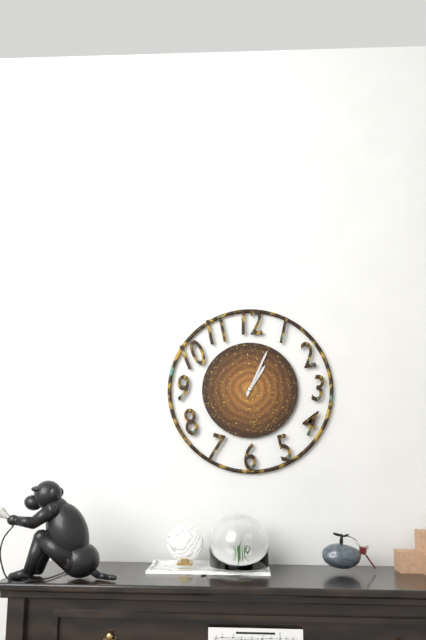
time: **1:04**
